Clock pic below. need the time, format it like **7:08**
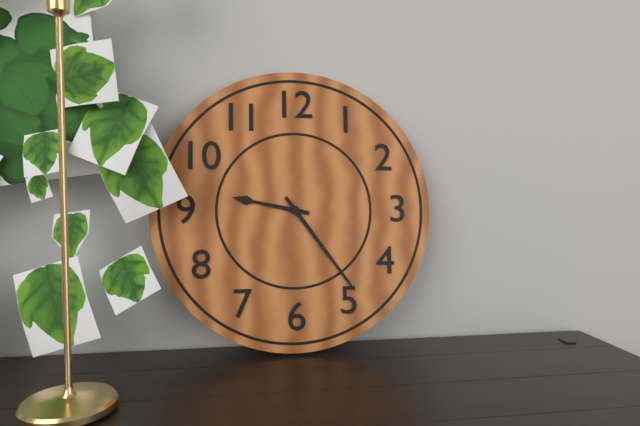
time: **9:24**
